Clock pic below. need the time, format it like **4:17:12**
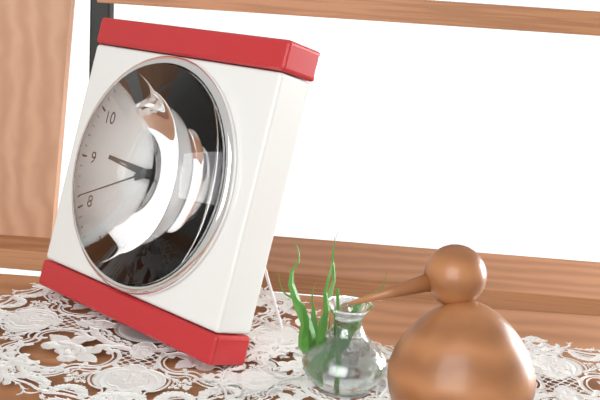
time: **9:11:41**
